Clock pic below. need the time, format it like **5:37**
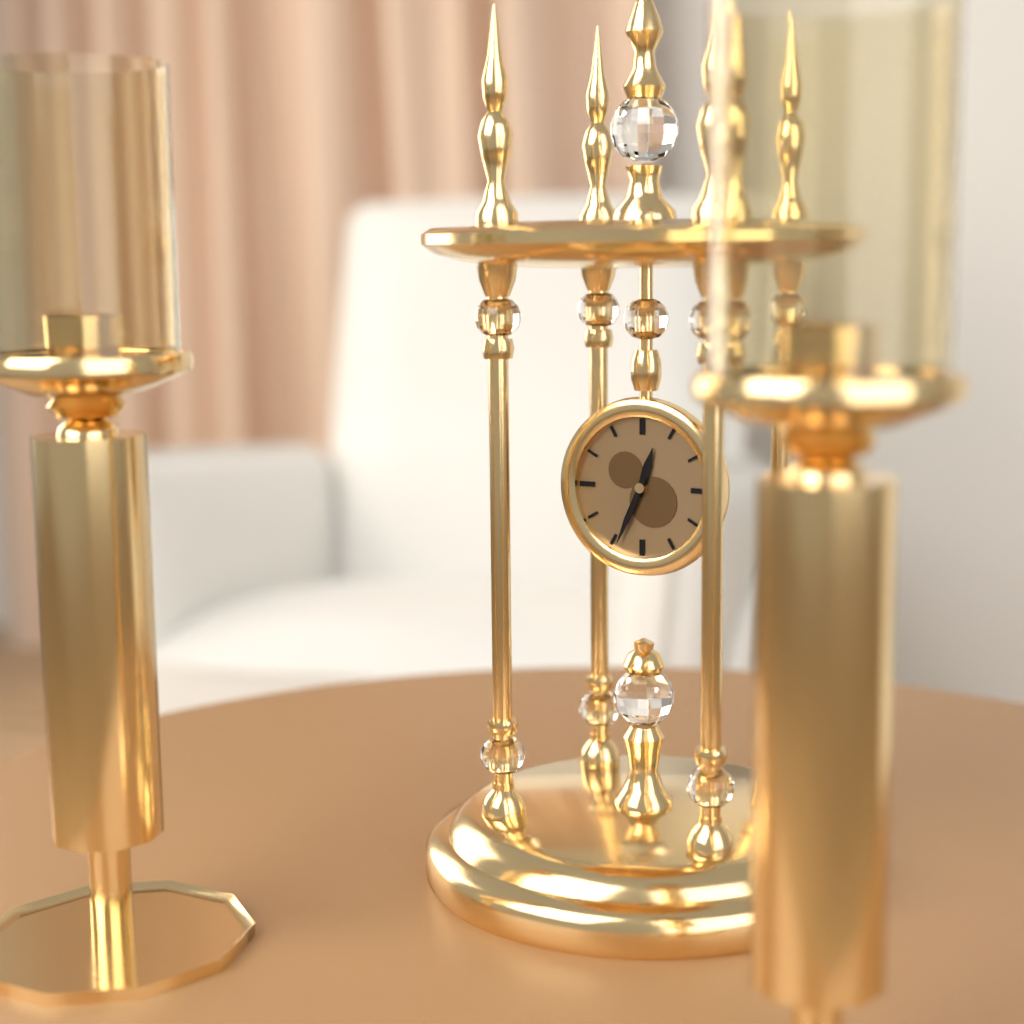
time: **12:34**
